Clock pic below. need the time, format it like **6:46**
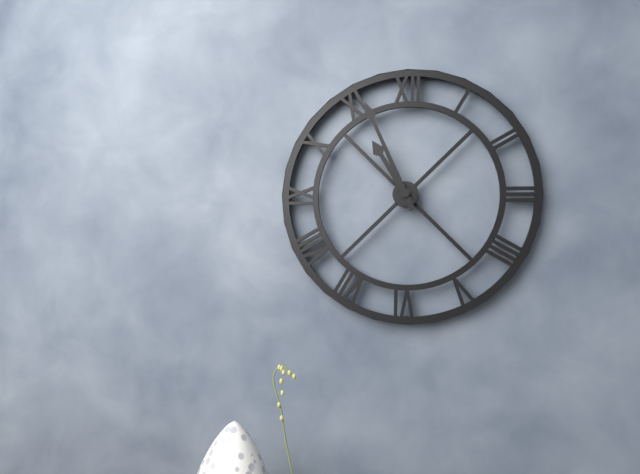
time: **10:56**
